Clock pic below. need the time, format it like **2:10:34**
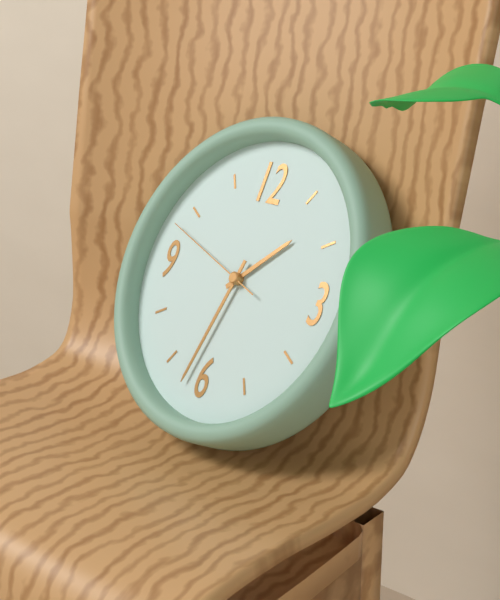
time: **1:32:48**
